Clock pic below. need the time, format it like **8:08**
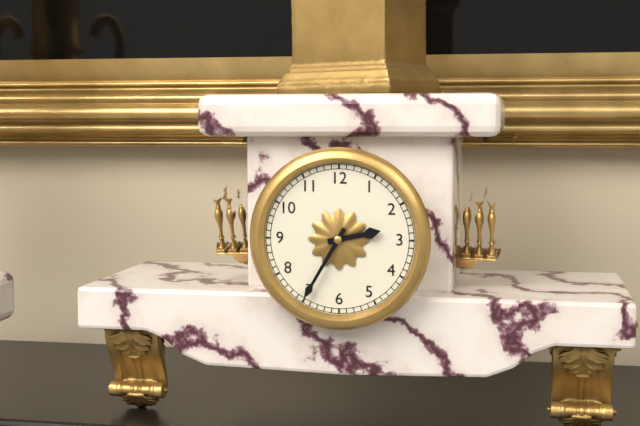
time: **2:35**
